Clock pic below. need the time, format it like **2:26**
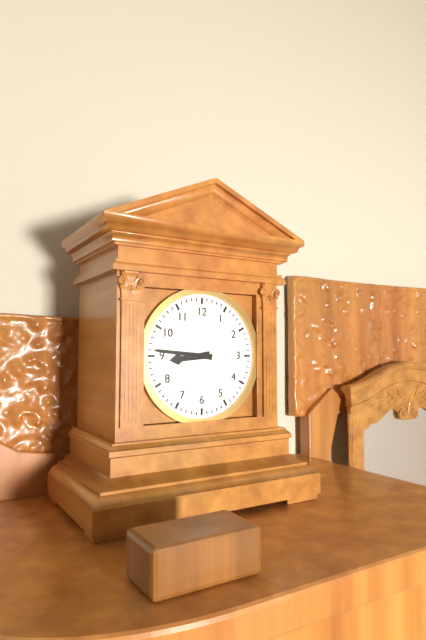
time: **8:46**
